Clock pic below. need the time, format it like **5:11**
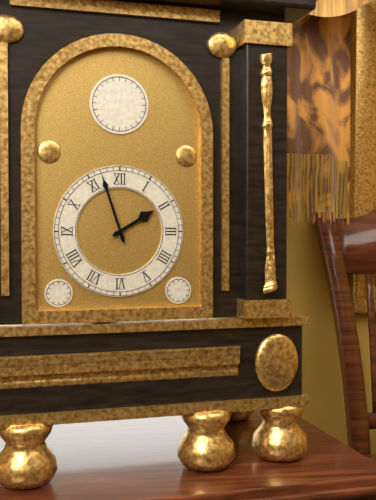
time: **1:57**
